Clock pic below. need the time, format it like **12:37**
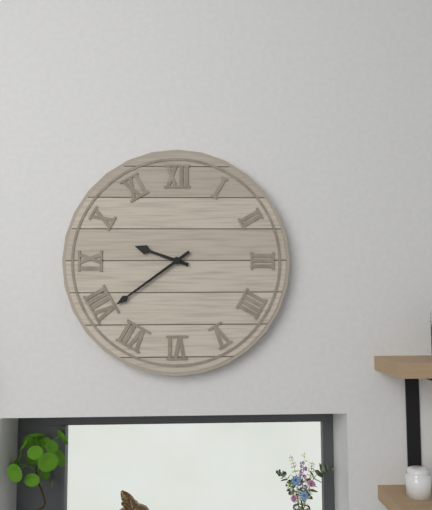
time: **9:39**
